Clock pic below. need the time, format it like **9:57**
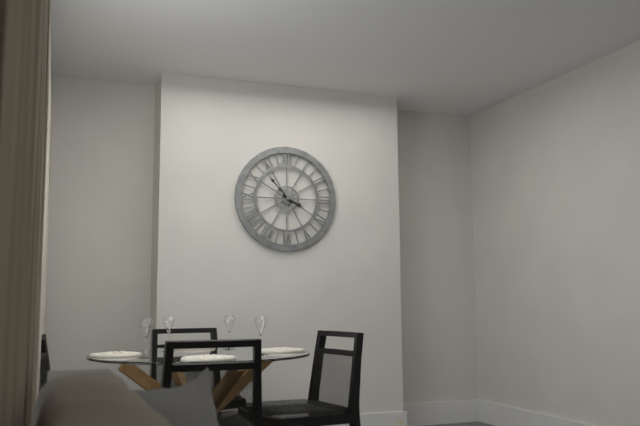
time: **3:53**
